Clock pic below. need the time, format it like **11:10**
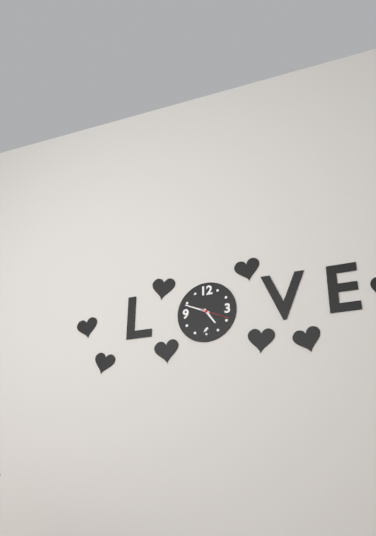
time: **4:49**
